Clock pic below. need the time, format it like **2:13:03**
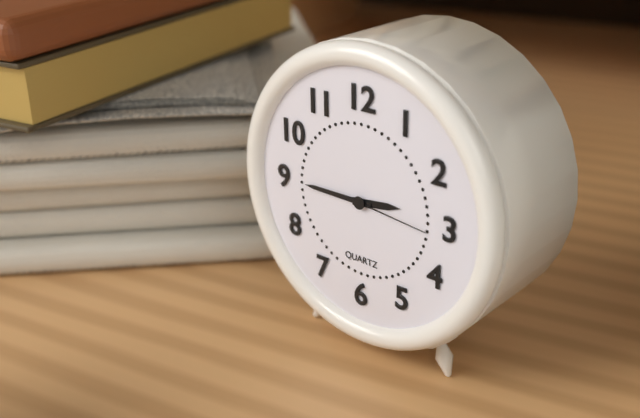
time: **2:45:16**
